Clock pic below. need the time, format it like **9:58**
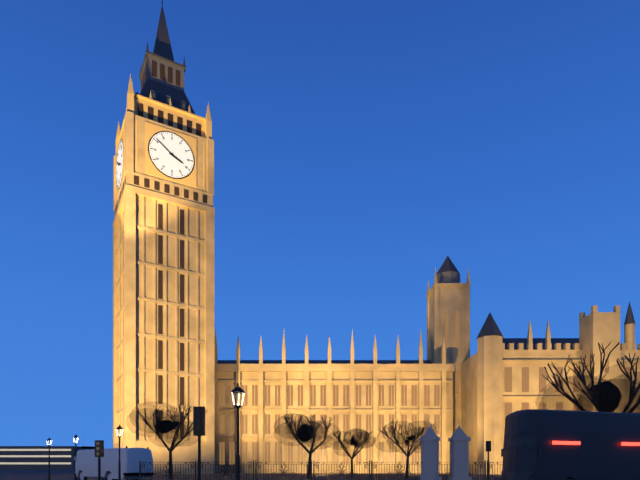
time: **3:51**
